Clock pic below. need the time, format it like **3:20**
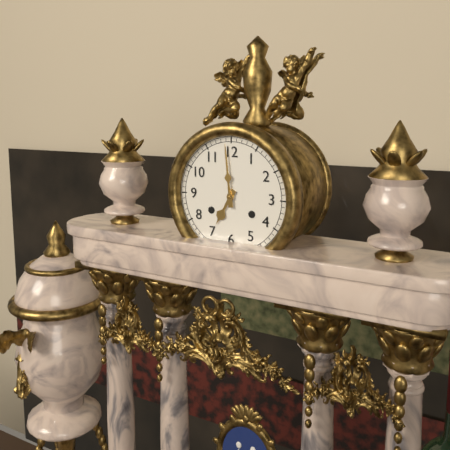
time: **6:59**
